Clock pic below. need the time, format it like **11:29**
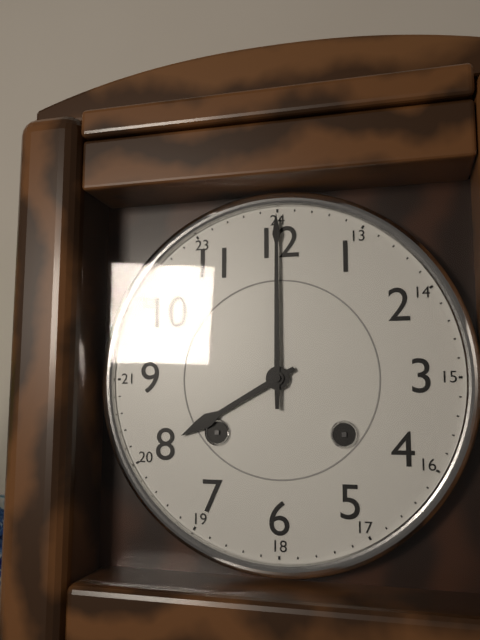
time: **8:00**
